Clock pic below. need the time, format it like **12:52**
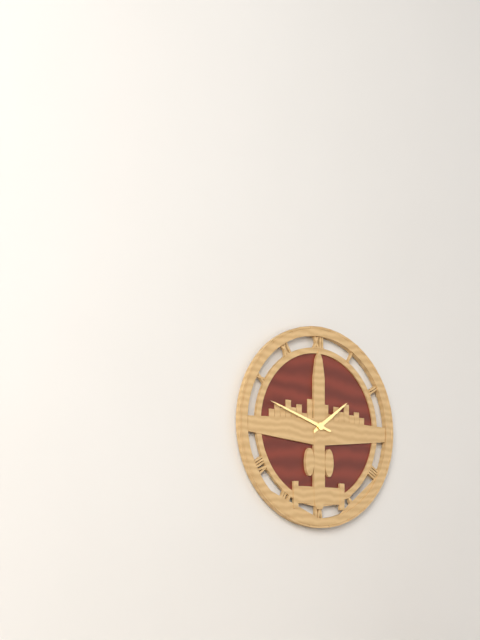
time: **1:48**
